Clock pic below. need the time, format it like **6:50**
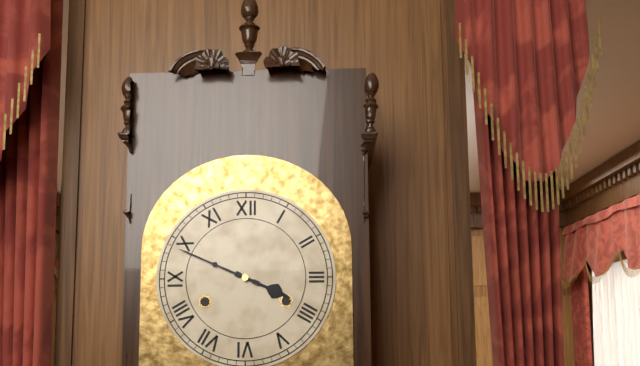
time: **3:49**
